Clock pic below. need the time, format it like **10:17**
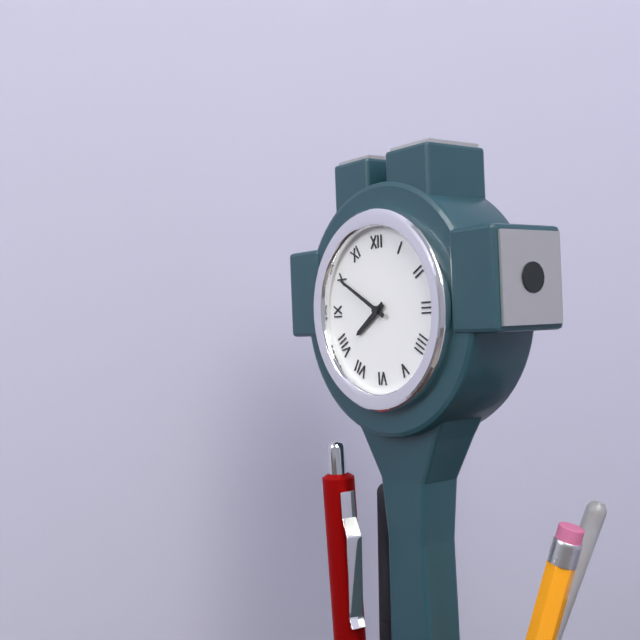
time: **7:50**
